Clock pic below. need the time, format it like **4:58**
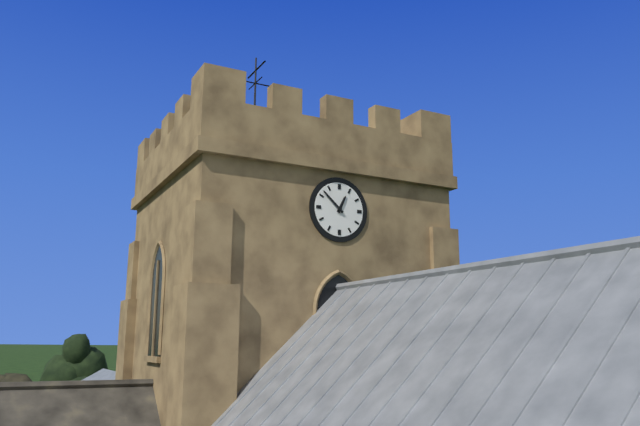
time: **12:52**
